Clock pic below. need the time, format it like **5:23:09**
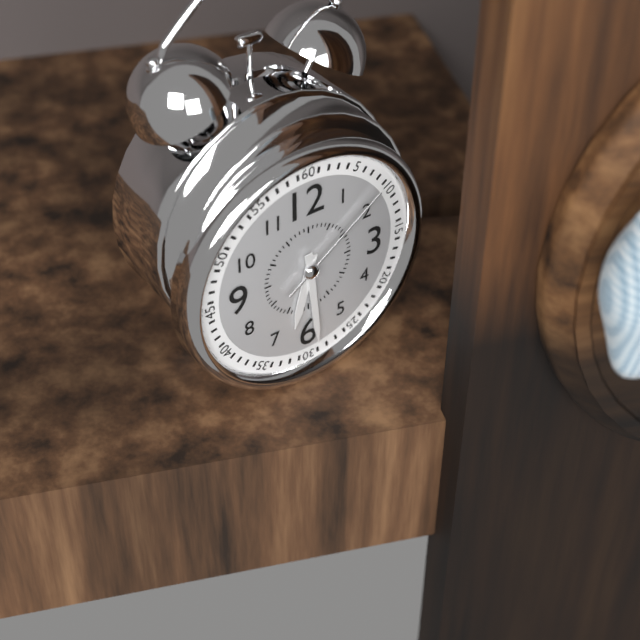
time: **6:29:09**
